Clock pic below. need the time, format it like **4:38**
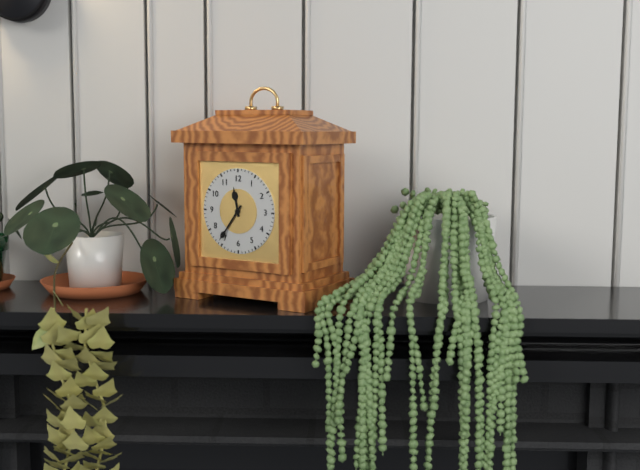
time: **11:36**
